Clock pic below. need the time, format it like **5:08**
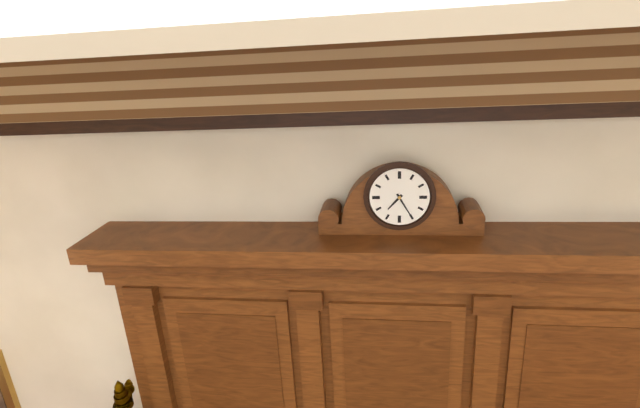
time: **7:25**
